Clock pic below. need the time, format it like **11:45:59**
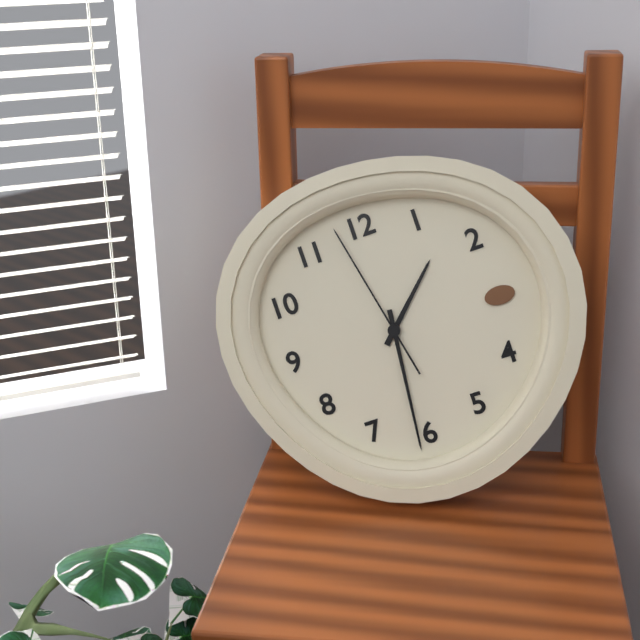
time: **1:31:58**
